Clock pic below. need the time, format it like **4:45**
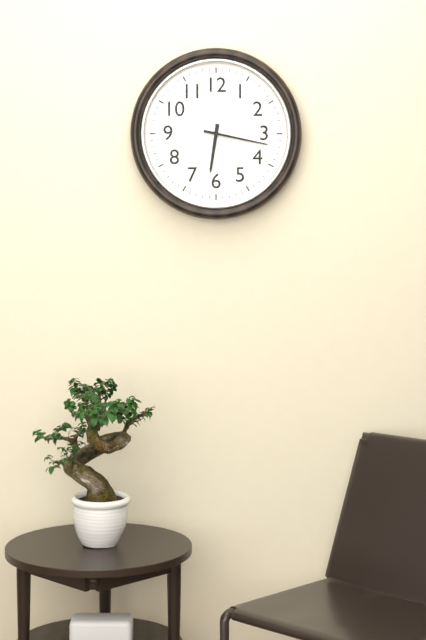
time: **6:17**
